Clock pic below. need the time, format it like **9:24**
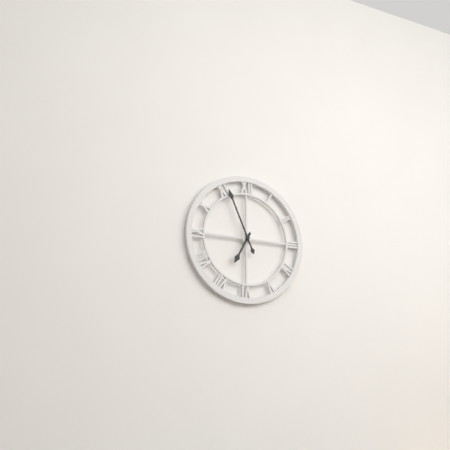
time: **6:56**
